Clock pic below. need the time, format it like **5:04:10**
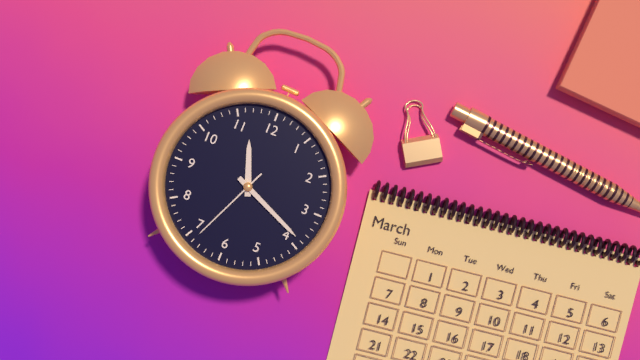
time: **11:19:34**
